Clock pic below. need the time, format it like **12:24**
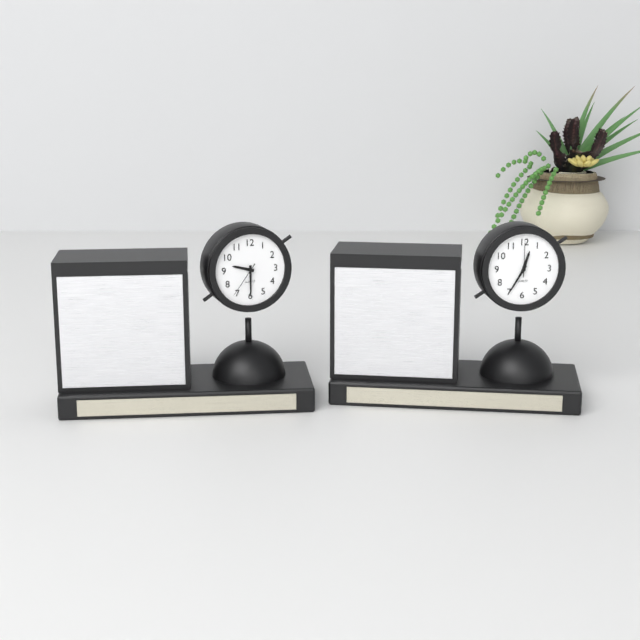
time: **9:30**
